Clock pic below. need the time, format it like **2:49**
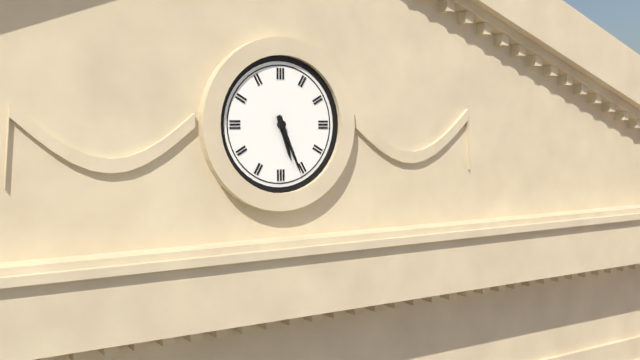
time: **5:26**
